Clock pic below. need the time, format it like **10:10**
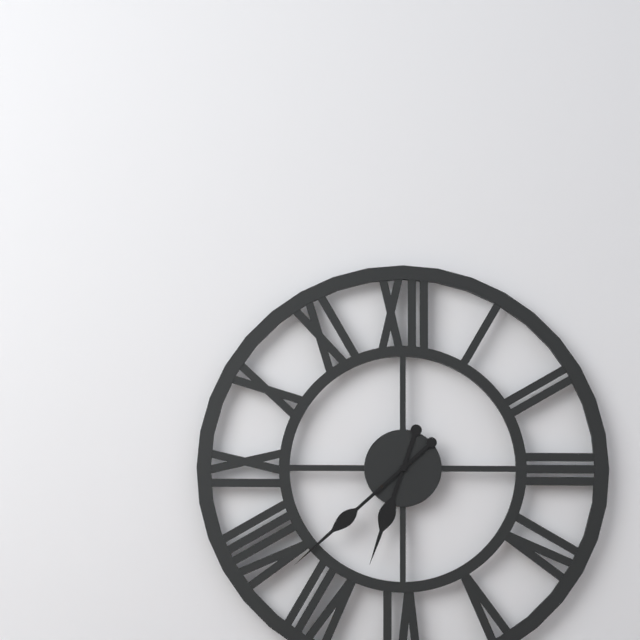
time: **6:38**
